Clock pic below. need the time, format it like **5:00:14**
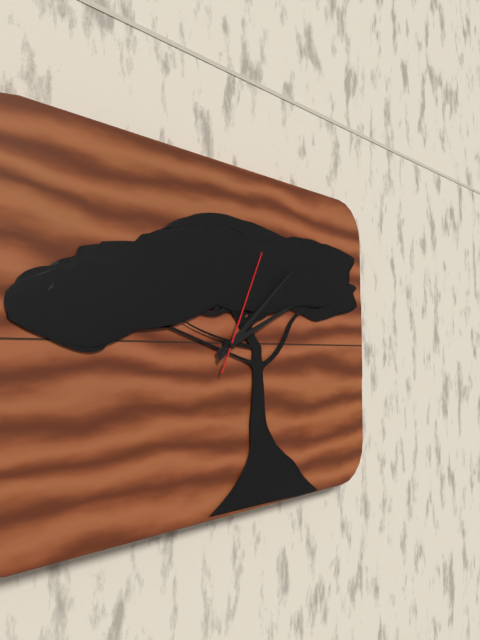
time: **2:08:04**
